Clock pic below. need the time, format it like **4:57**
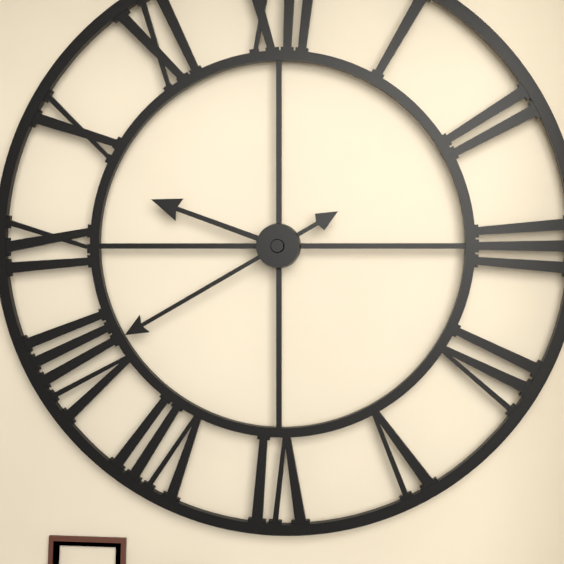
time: **9:40**
